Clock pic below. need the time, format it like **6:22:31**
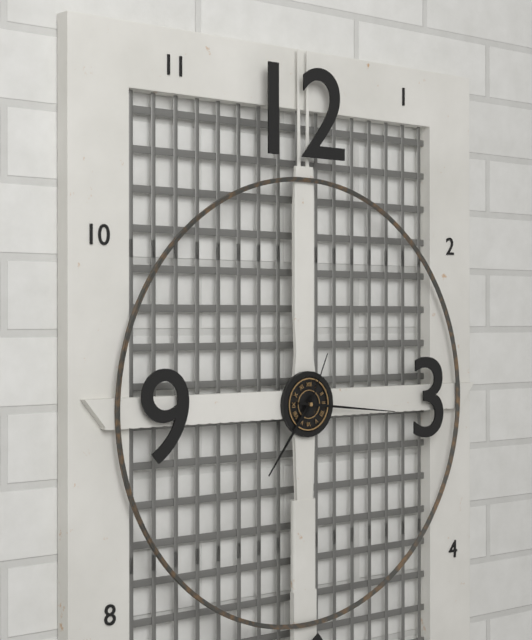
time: **7:16:04**
